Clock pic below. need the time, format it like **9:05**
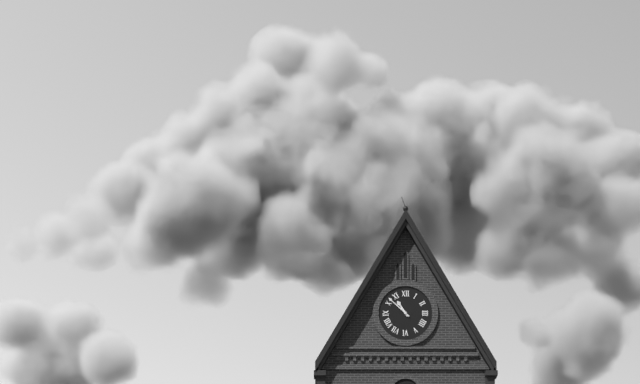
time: **10:52**
